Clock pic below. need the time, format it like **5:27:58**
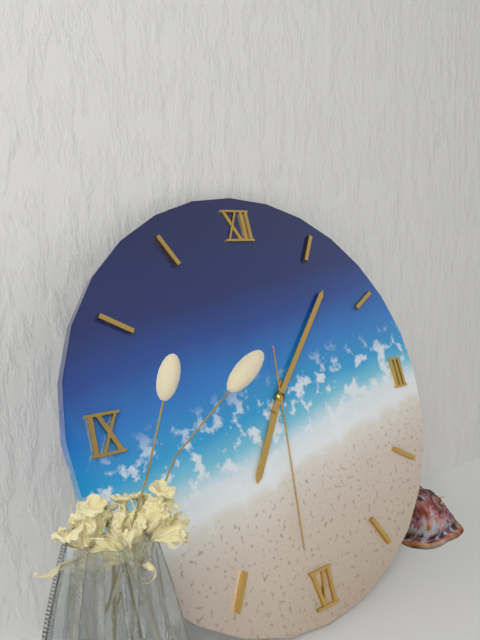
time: **7:07:31**
